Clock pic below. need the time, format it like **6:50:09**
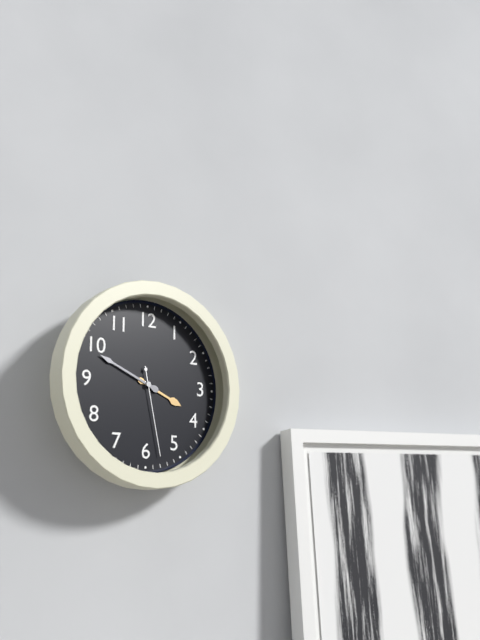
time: **3:49:28**
